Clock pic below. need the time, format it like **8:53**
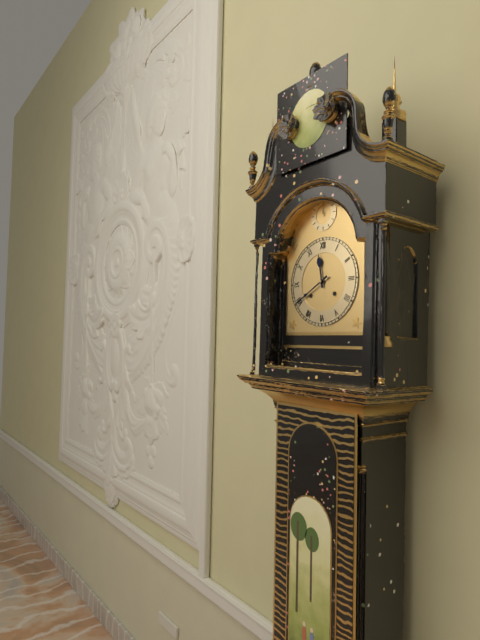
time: **11:40**
